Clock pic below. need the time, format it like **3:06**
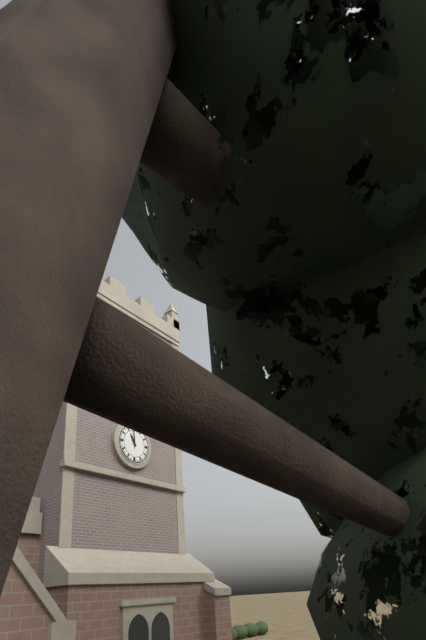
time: **10:59**
